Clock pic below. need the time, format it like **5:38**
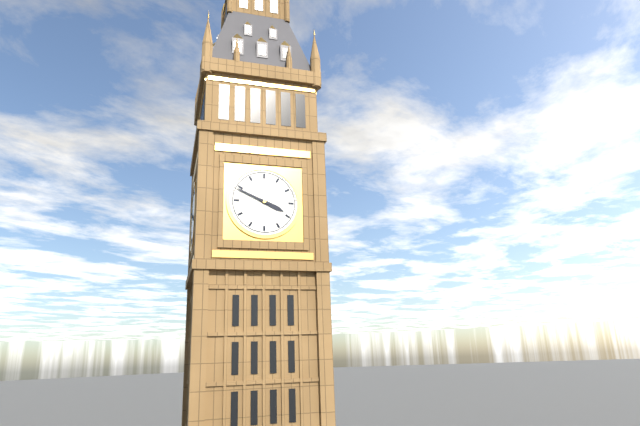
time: **3:49**
